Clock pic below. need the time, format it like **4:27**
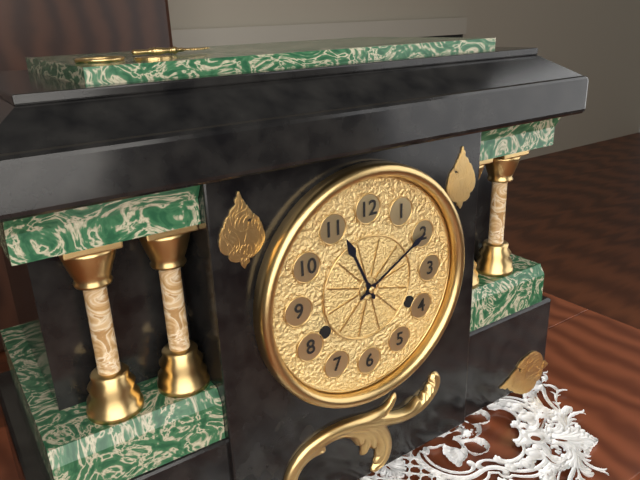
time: **11:10**
